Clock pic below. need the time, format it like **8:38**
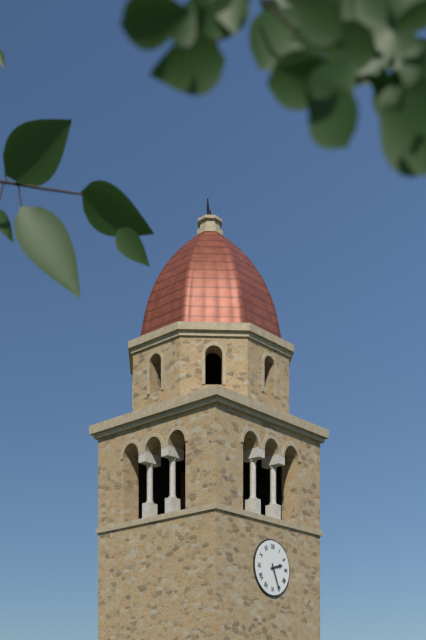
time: **2:26**
